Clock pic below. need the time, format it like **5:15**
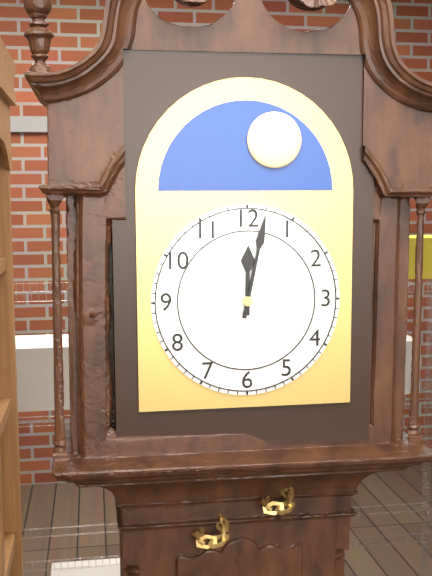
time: **12:02**
